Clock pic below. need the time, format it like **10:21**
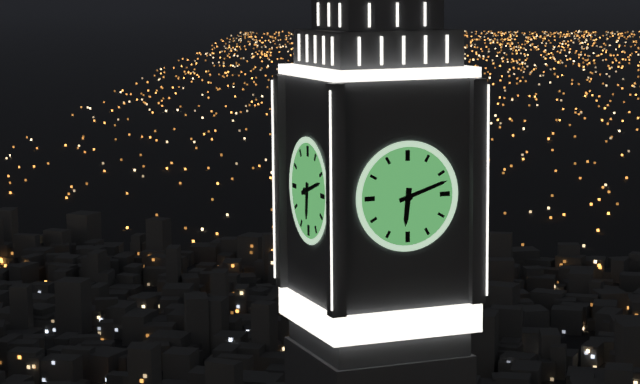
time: **6:12**
